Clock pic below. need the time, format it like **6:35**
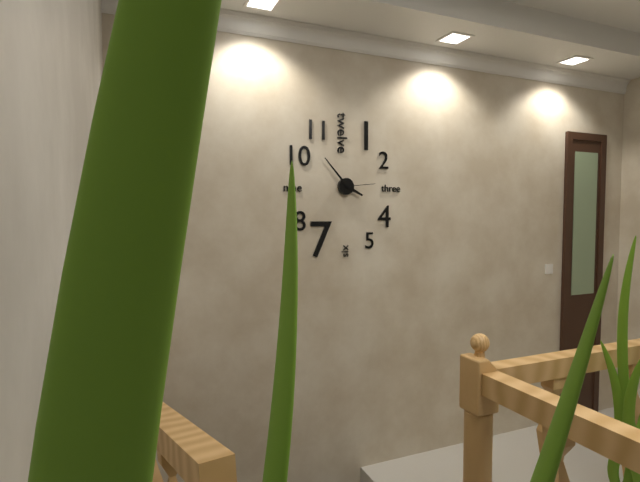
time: **3:53**
